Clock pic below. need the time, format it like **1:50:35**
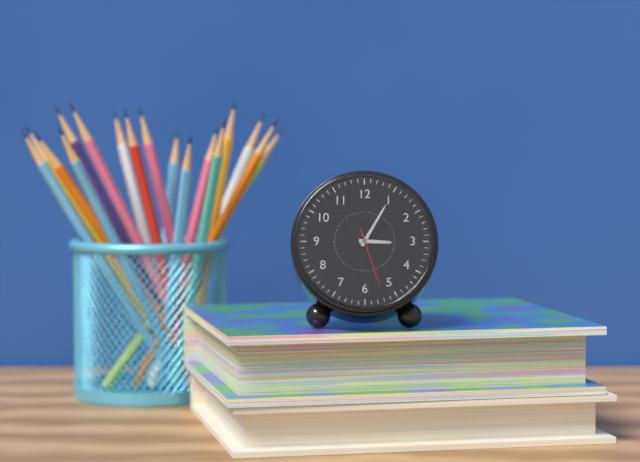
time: **3:05:27**
